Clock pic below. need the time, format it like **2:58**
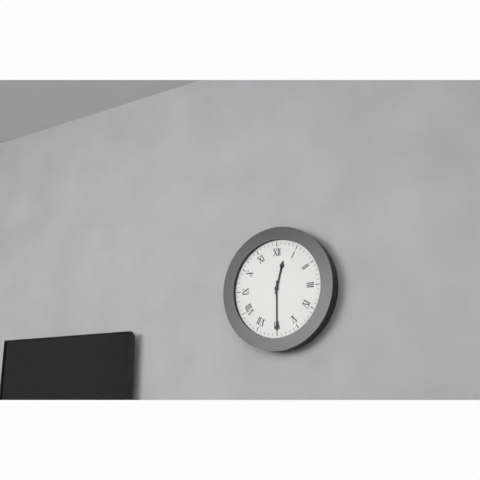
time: **12:30**
